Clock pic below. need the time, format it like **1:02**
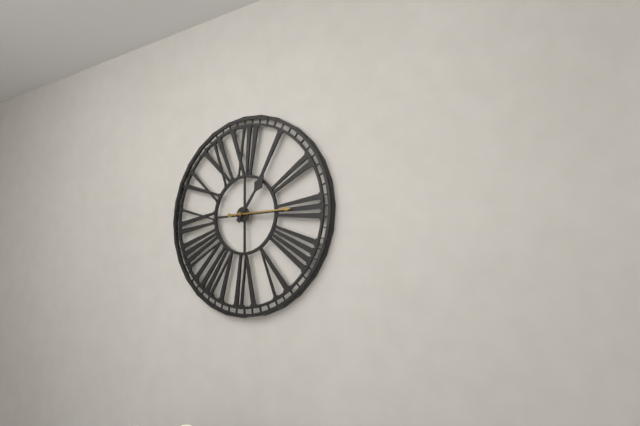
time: **1:15**
